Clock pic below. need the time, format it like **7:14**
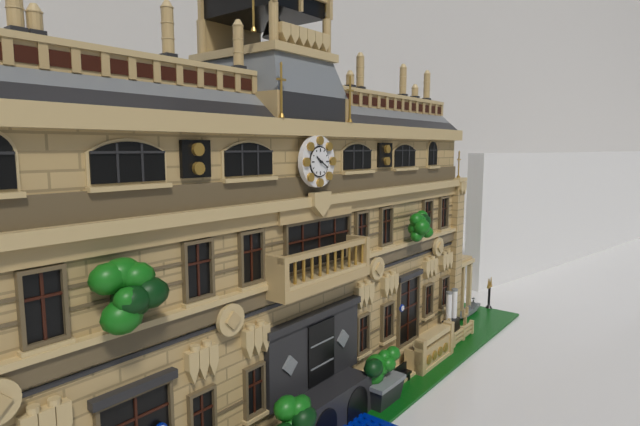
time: **10:20**
